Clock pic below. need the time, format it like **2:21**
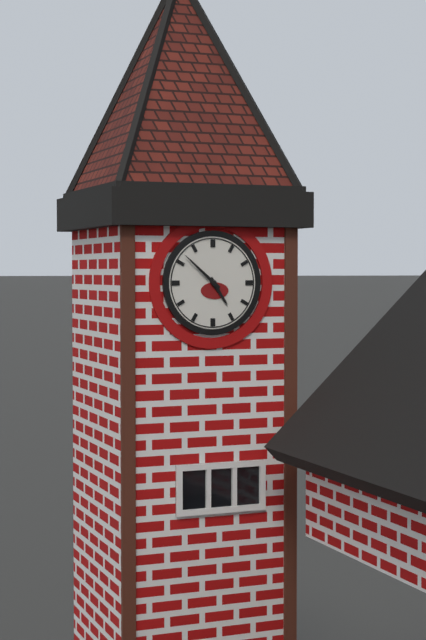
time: **4:52**
